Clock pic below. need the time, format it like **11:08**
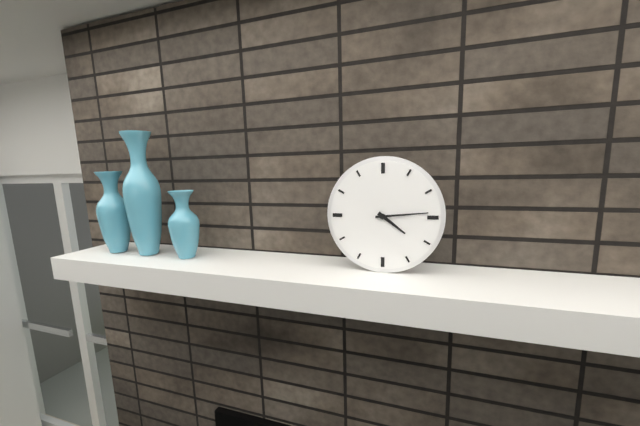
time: **4:14**
